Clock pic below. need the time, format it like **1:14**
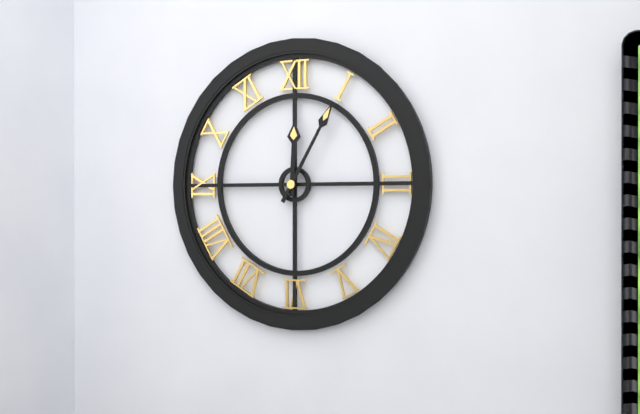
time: **12:05**
